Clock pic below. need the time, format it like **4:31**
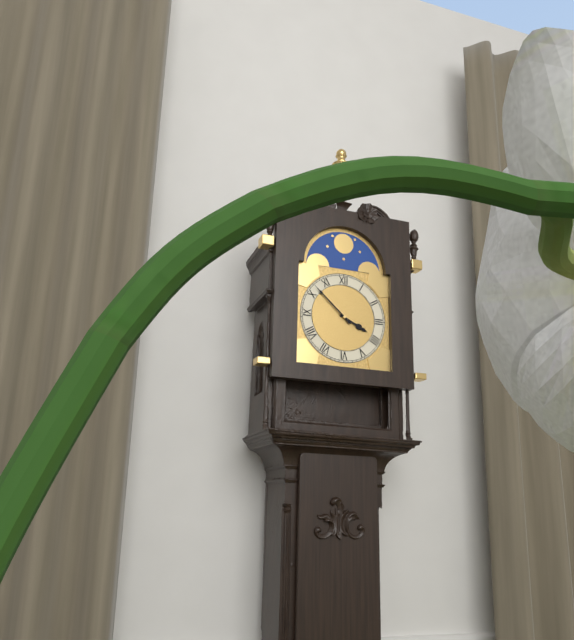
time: **3:52**
